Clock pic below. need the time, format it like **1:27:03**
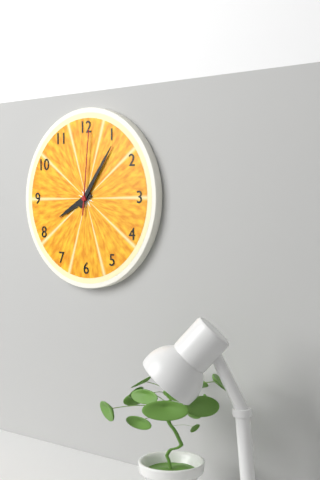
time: **8:06:01**
